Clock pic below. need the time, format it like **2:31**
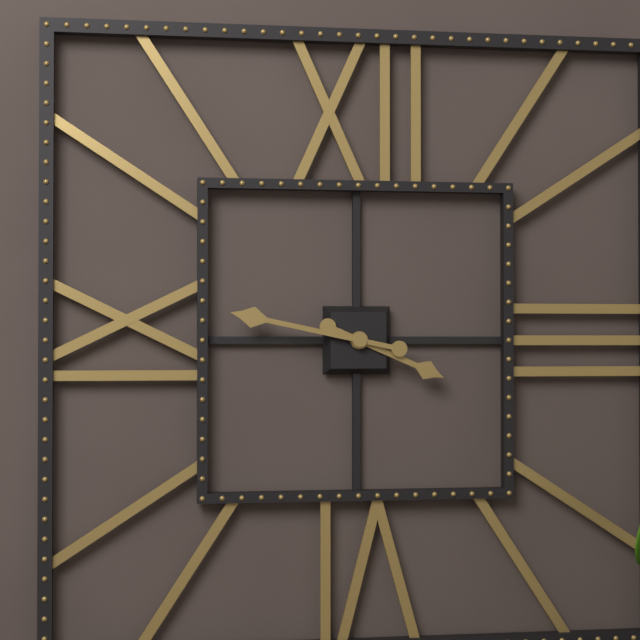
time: **3:47**
